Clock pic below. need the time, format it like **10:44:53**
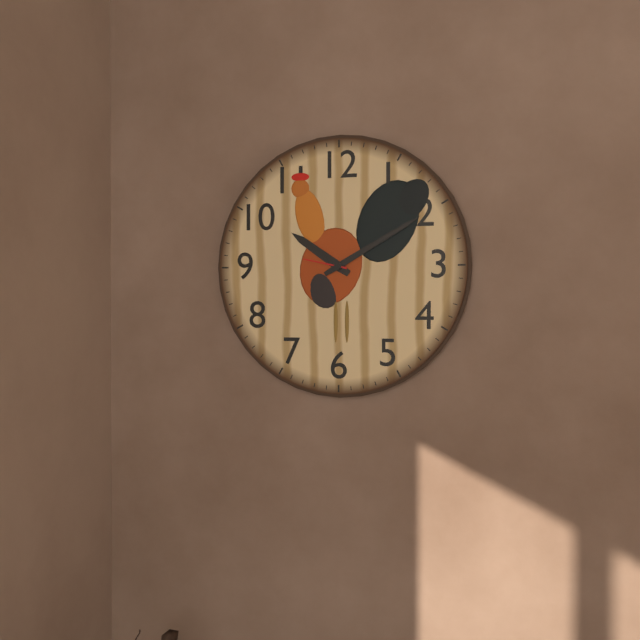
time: **10:10:47**
